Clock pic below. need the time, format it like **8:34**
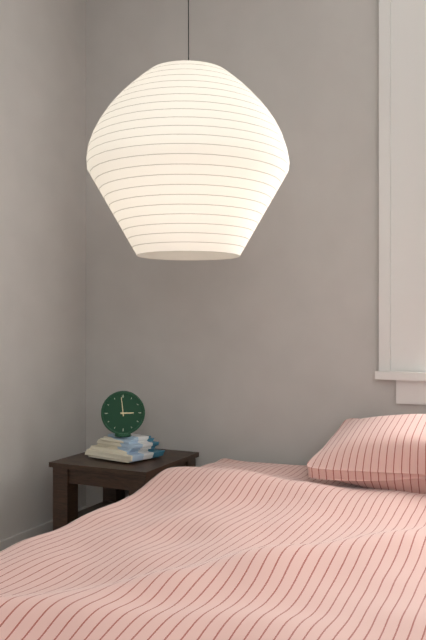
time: **2:59**
